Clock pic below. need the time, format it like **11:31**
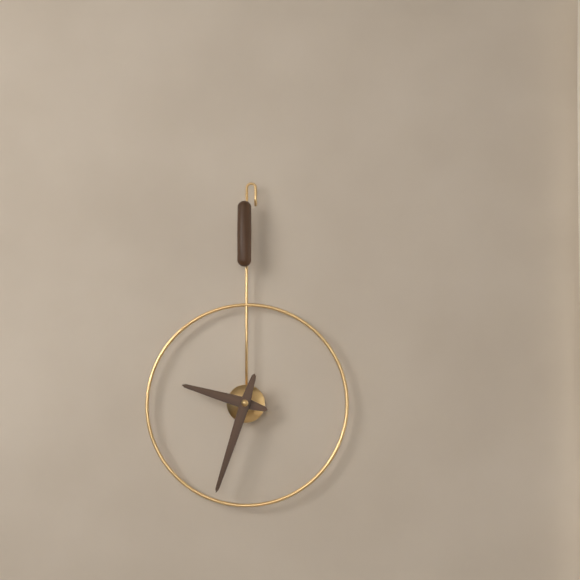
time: **9:33**
